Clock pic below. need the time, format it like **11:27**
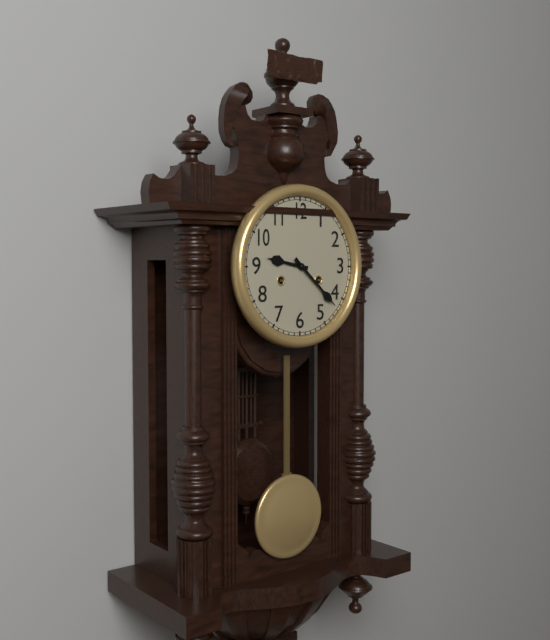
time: **9:22**
